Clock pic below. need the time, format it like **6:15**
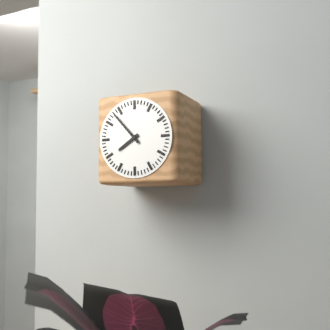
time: **7:53**
